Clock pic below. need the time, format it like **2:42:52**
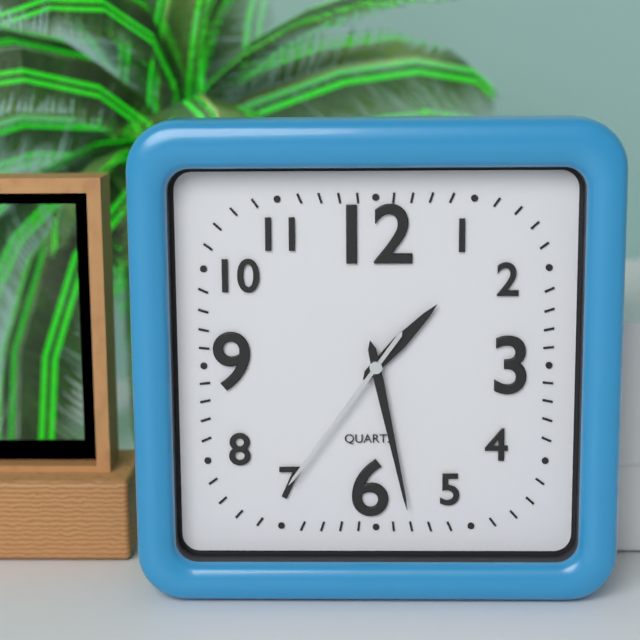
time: **1:28:36**
